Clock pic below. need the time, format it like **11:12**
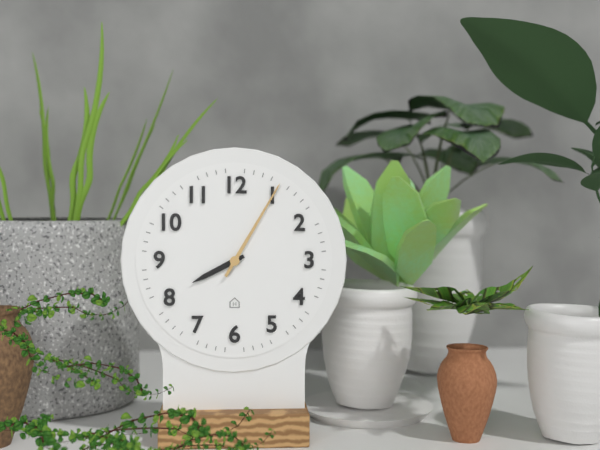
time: **8:05**
